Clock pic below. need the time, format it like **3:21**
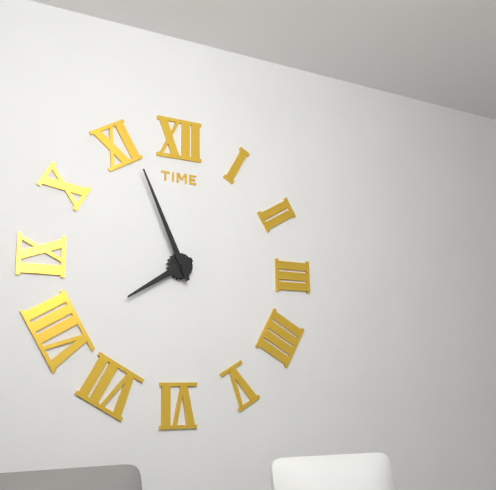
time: **7:56**
